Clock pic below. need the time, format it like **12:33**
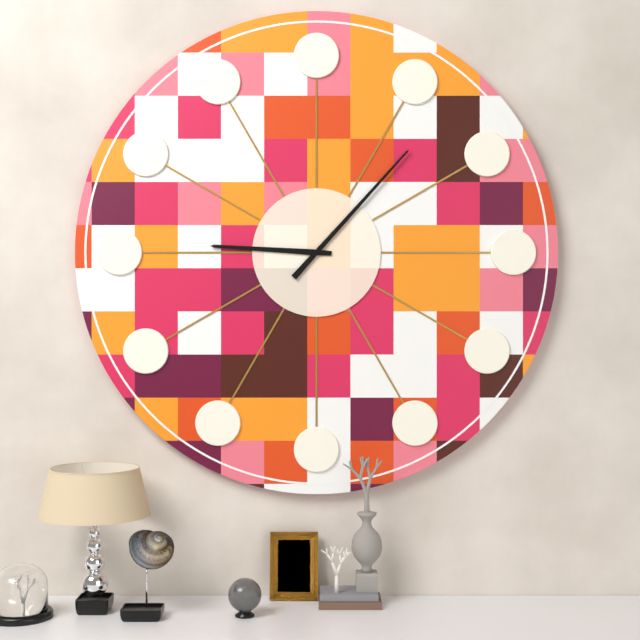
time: **9:07**
